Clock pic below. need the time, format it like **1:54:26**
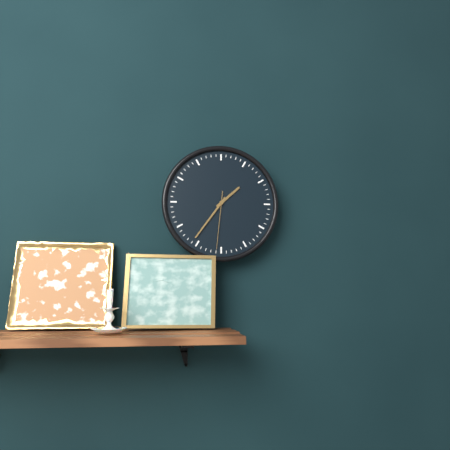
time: **1:36:31**
